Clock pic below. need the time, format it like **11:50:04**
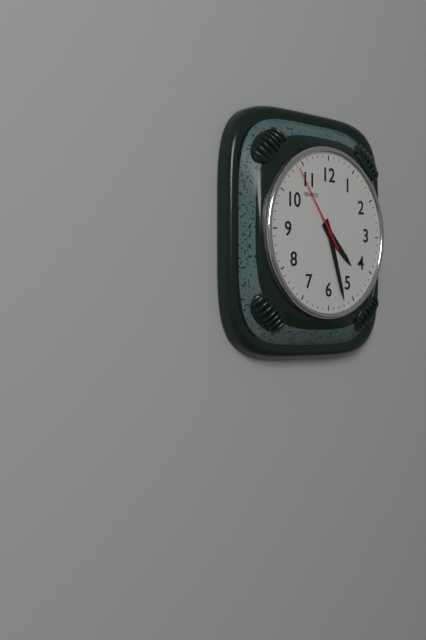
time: **4:27:54**
